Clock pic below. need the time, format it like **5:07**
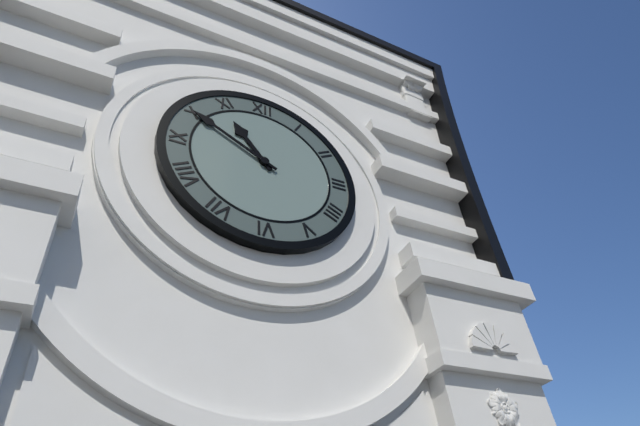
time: **10:50**
